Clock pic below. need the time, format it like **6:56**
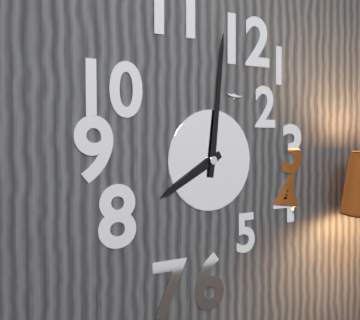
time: **8:01**
